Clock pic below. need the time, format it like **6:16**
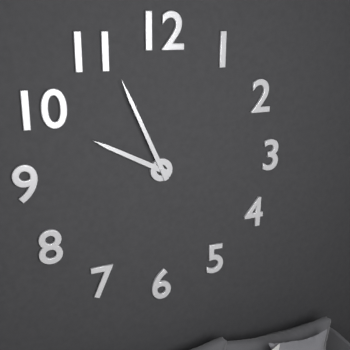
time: **9:56**
